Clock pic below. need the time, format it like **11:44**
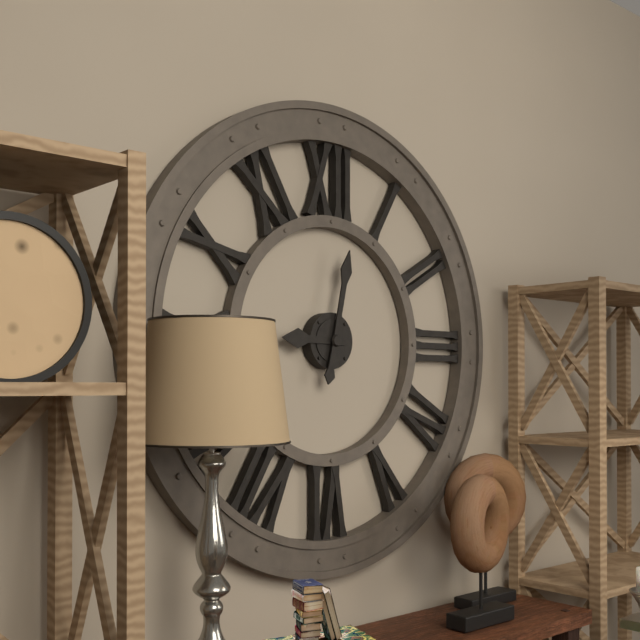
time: **9:02**
